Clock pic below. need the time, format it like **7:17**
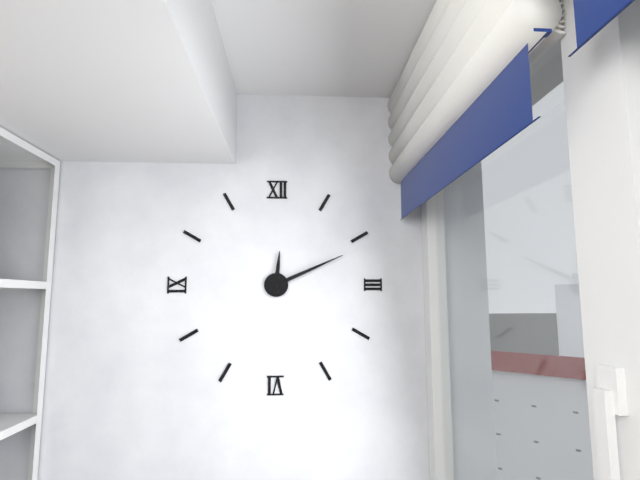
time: **12:11**
